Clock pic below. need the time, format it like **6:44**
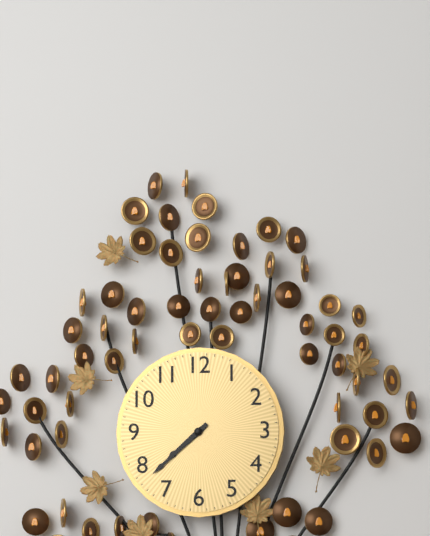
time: **7:38**
